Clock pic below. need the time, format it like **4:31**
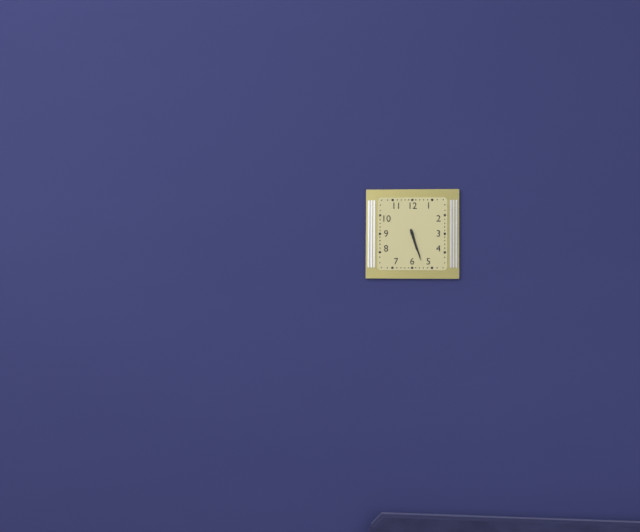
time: **5:27**
